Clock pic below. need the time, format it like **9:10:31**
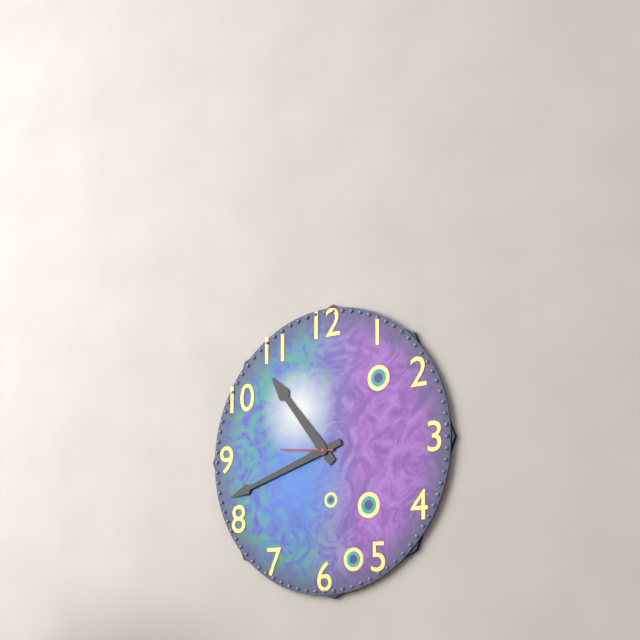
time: **10:42:46**
